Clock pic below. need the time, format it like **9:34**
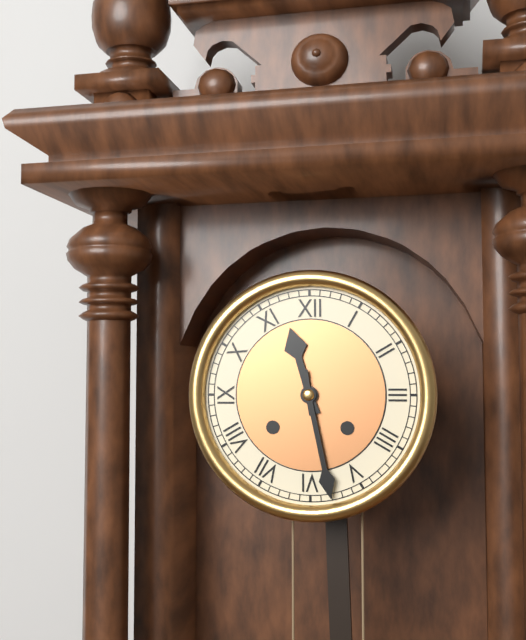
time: **11:28**
